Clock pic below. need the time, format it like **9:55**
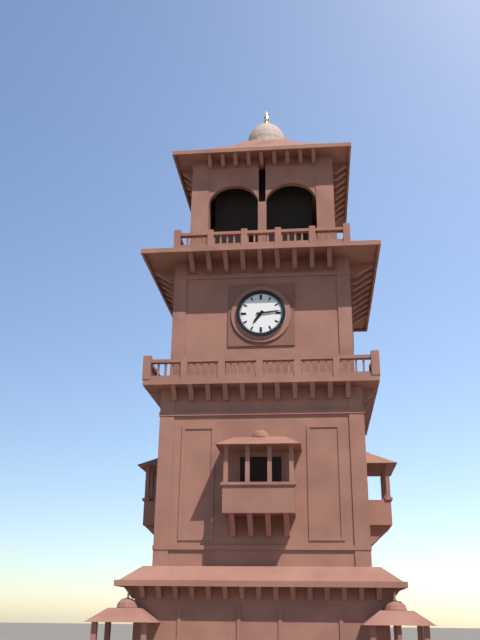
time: **7:14**
